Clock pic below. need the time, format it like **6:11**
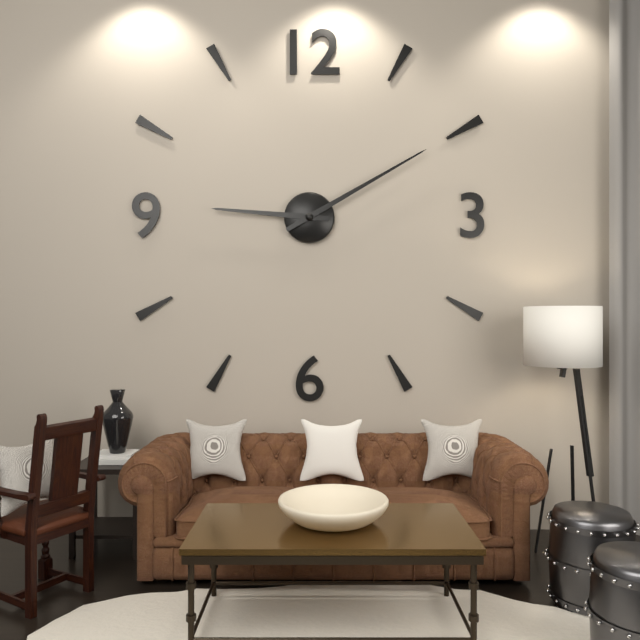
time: **9:10**
